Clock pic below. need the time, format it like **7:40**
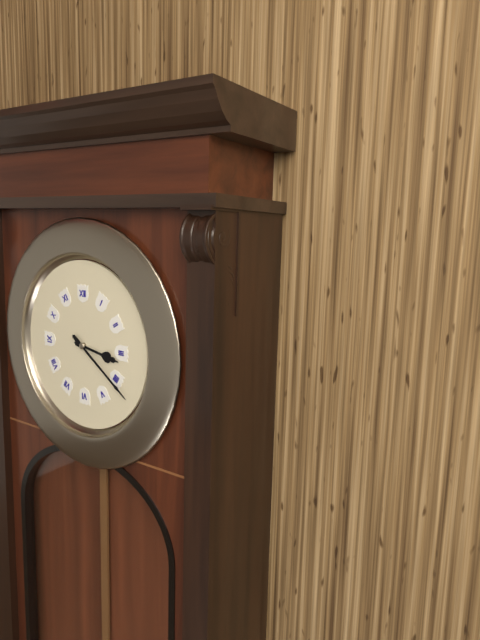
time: **3:21**
